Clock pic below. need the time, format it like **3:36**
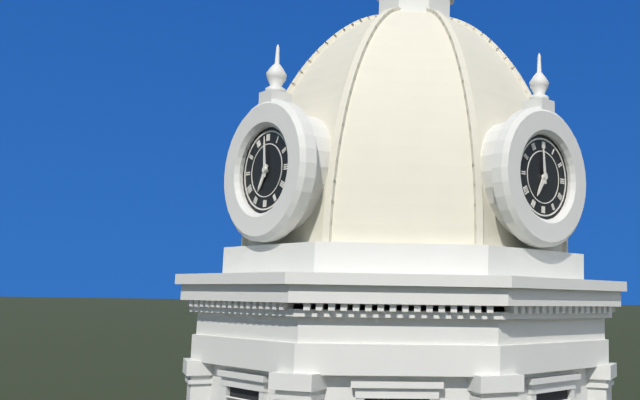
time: **6:59**
